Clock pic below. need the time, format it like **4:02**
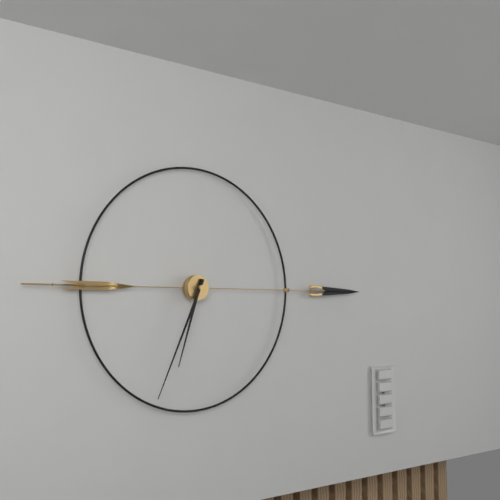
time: **6:34**
